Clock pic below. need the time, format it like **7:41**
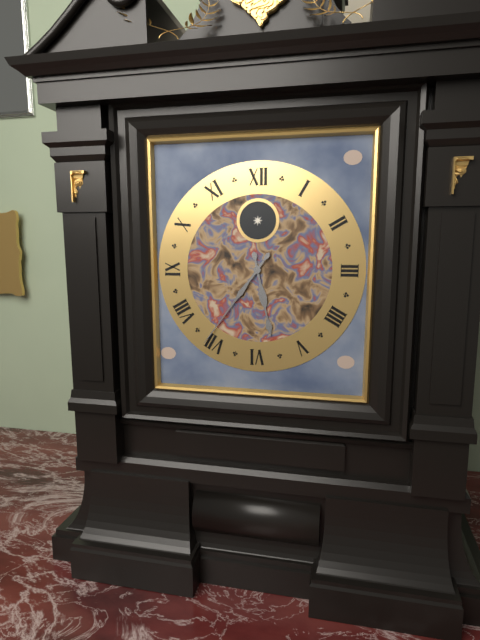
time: **5:36**
